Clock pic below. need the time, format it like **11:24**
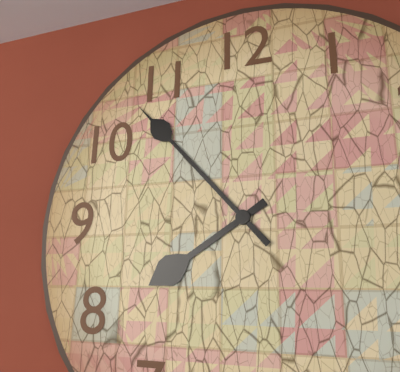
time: **7:53**
